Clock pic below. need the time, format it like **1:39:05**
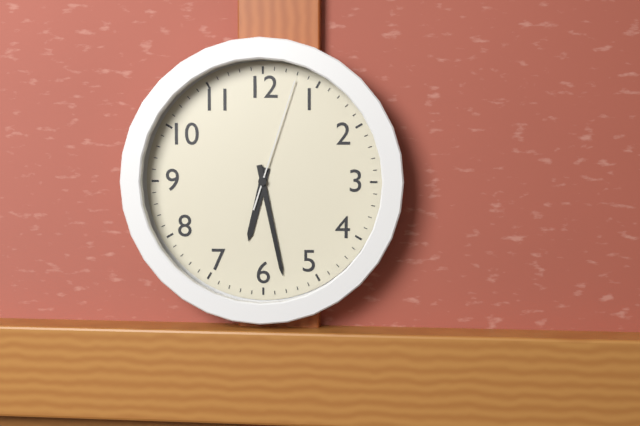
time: **6:28:03**
